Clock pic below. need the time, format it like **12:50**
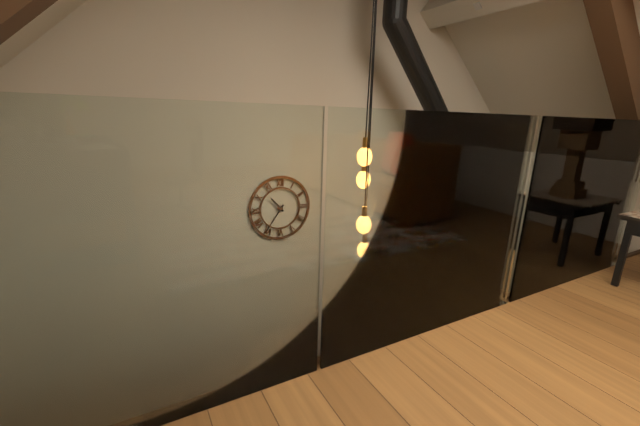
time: **10:36**
